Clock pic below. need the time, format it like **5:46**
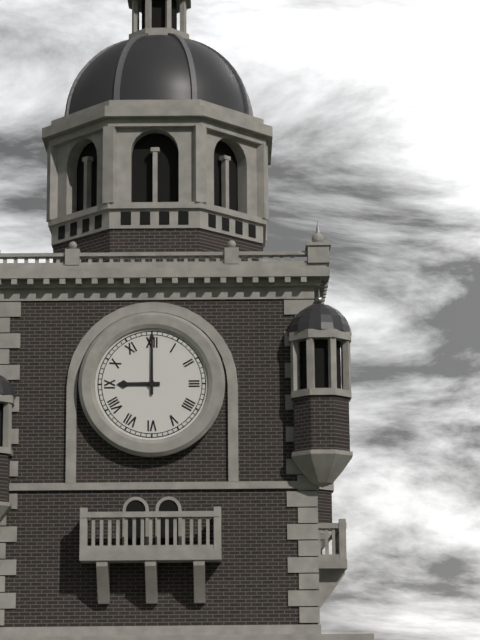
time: **9:00**
